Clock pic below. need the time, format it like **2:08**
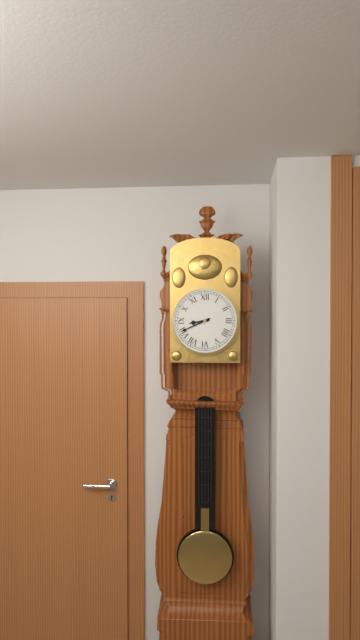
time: **8:41**
